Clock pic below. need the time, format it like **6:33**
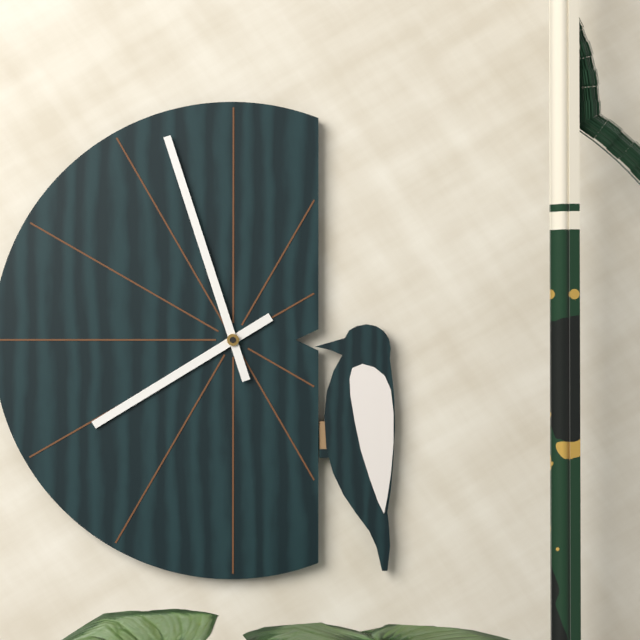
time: **7:57**
